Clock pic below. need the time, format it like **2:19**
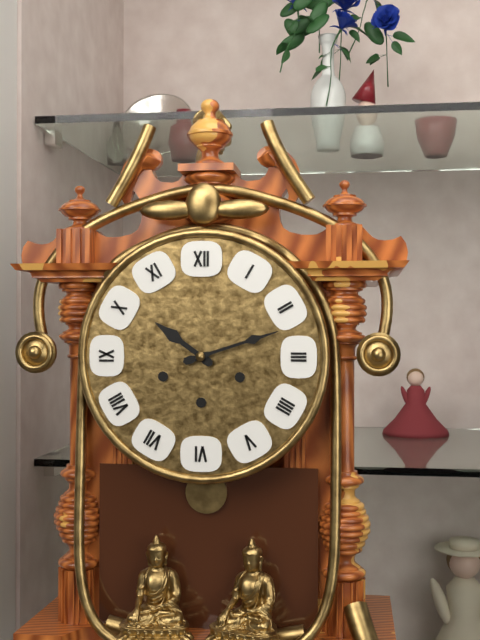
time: **10:12**
